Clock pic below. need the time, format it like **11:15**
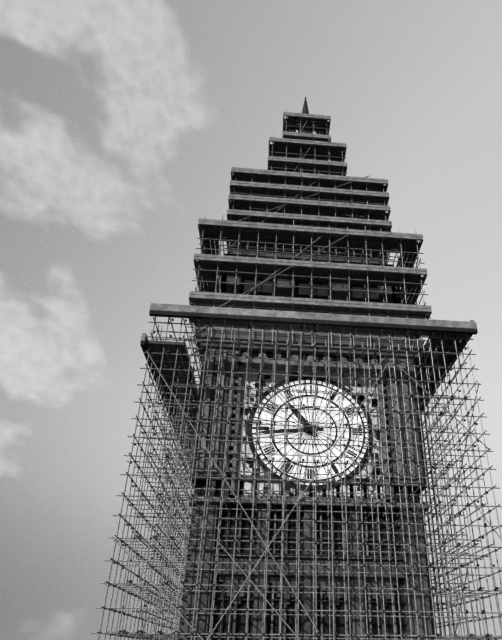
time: **10:44**
